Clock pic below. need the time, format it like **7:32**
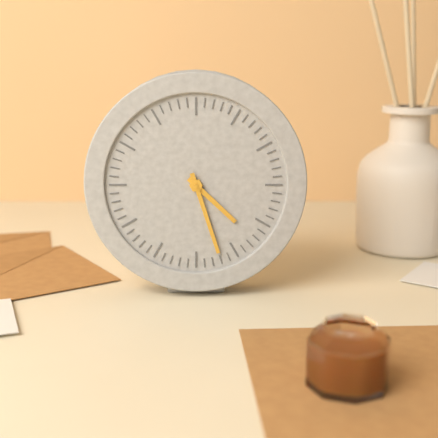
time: **4:27**
